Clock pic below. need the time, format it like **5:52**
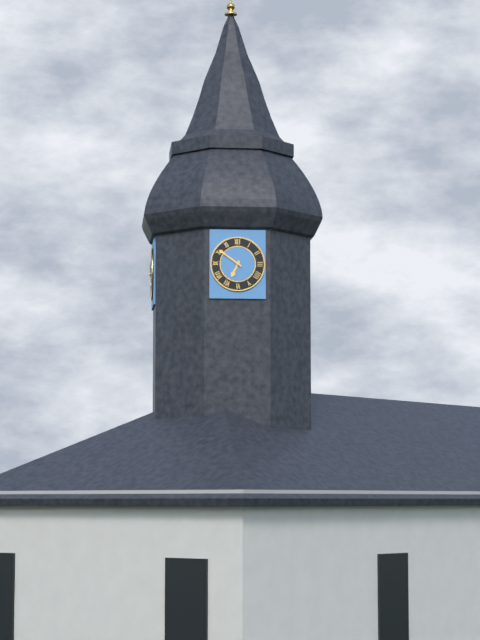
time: **6:51**
